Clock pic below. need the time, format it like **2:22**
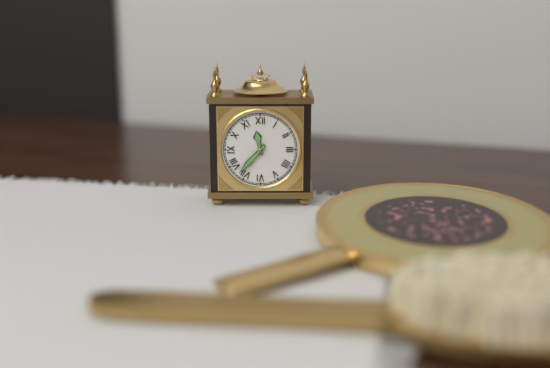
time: **11:37**
